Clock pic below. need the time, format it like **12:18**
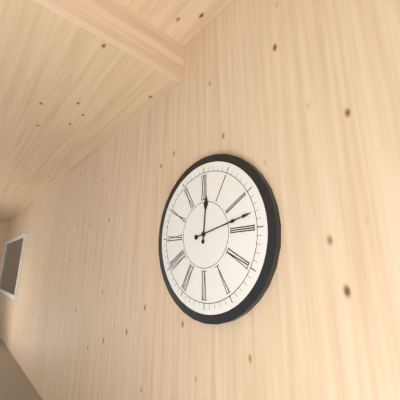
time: **12:13**
